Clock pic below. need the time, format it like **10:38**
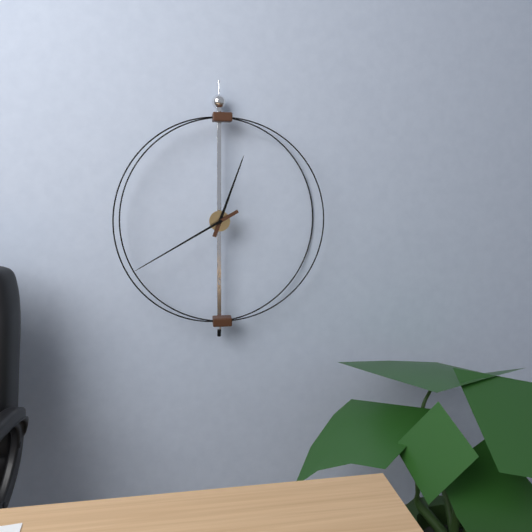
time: **12:40**
